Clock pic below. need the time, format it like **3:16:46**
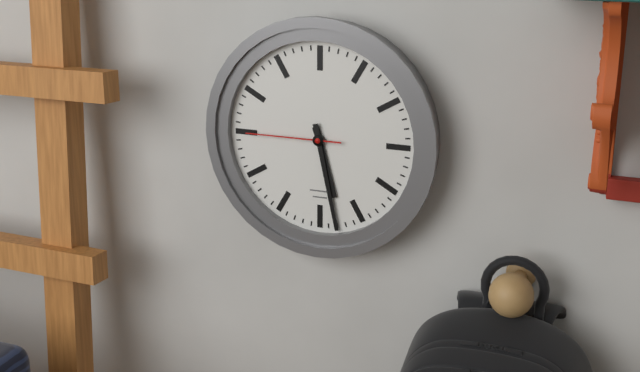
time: **5:28:45**
